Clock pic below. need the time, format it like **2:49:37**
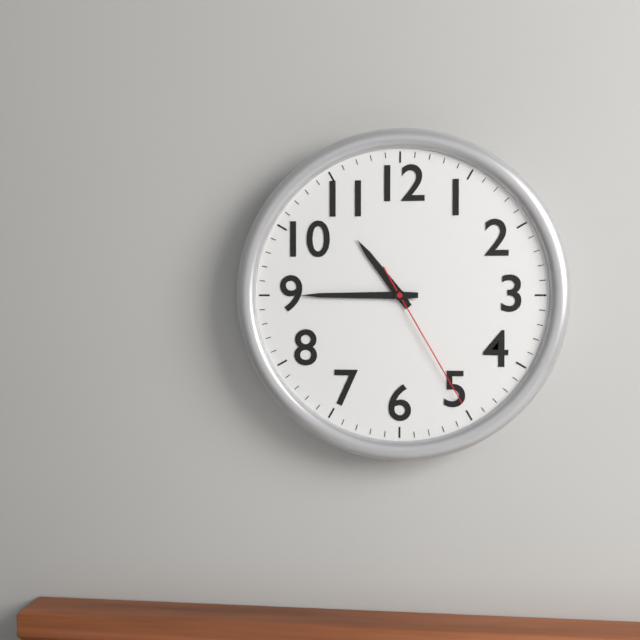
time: **10:45:25**
